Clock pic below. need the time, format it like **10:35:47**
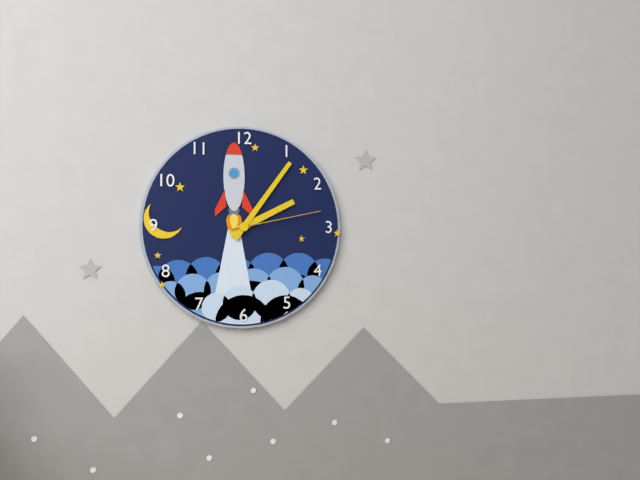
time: **2:06:13**
